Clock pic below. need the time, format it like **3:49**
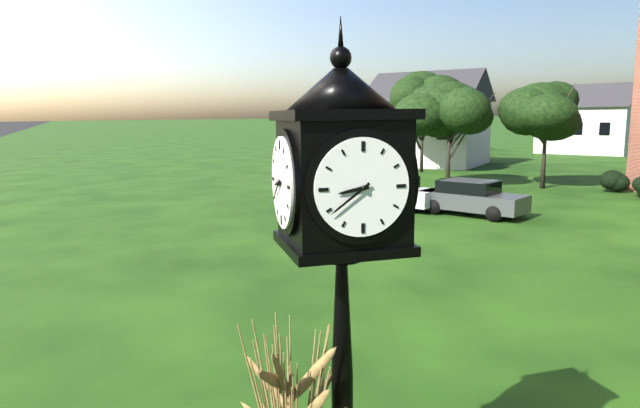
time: **8:39**
